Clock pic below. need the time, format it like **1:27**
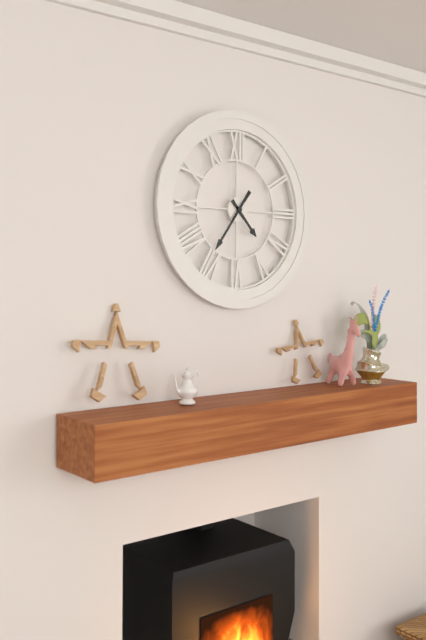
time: **4:36**
